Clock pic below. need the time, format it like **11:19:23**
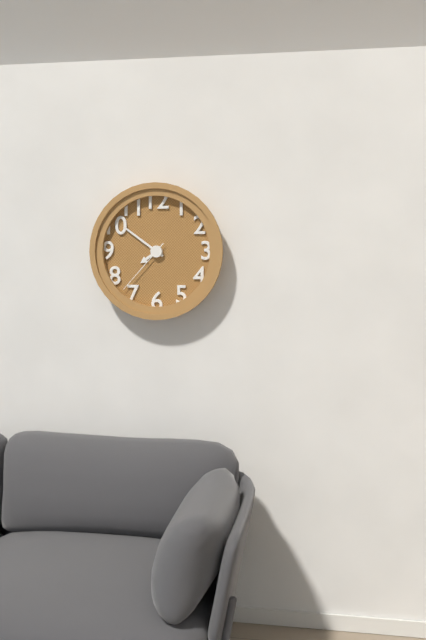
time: **7:51:37**
